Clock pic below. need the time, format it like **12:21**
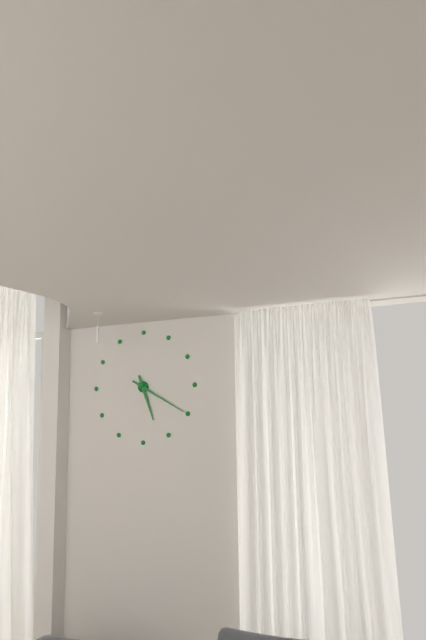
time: **5:20**
